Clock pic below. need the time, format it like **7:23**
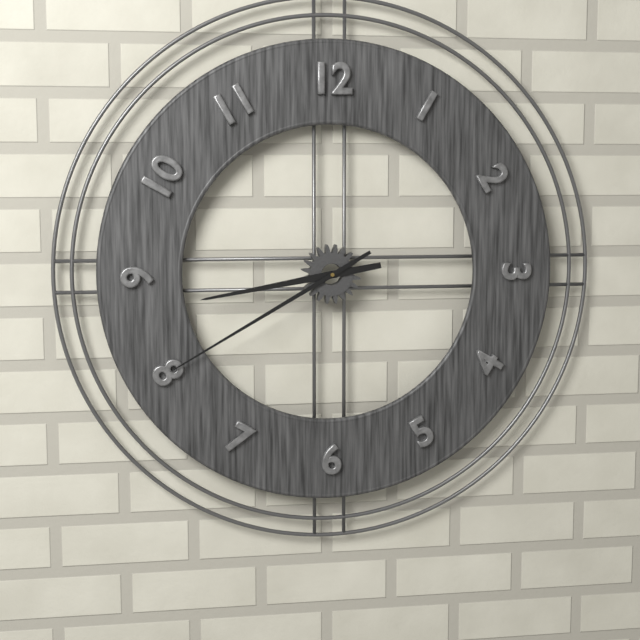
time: **8:40**
